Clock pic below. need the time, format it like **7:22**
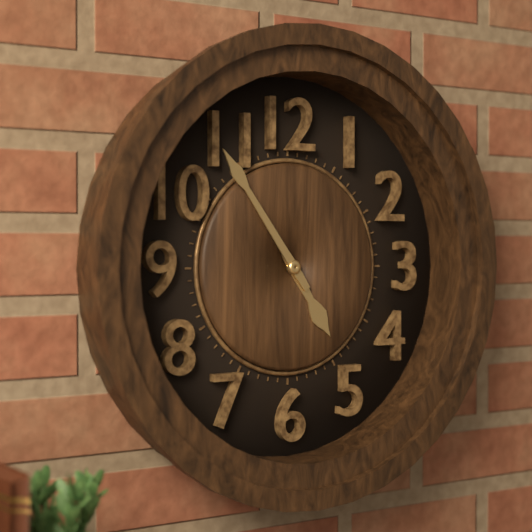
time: **4:54**
